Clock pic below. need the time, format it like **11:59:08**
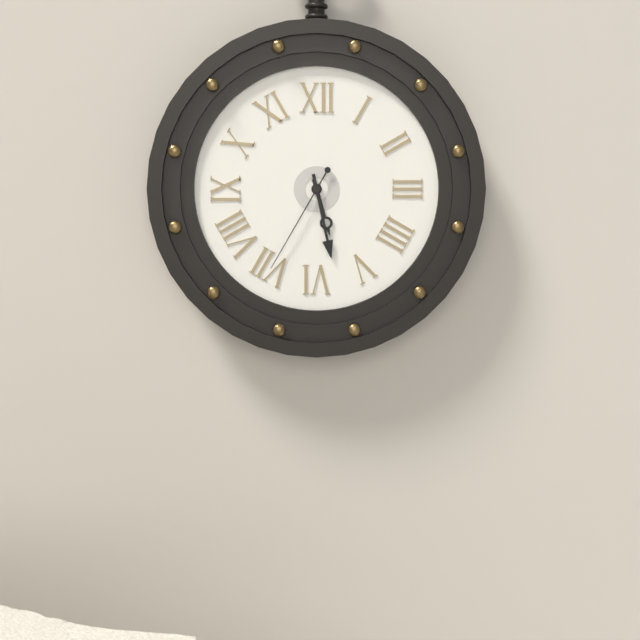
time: **5:28:35**
